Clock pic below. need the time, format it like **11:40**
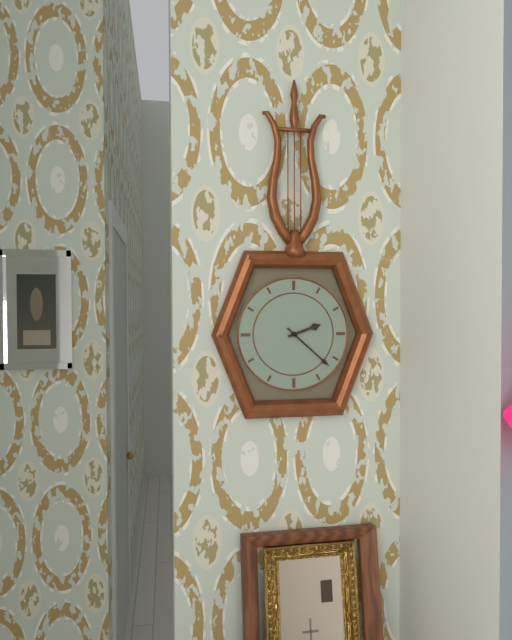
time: **2:22**
